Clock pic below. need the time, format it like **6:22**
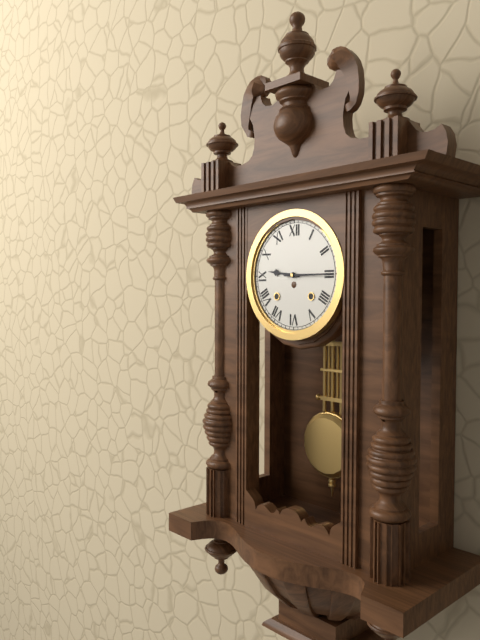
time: **9:15**
